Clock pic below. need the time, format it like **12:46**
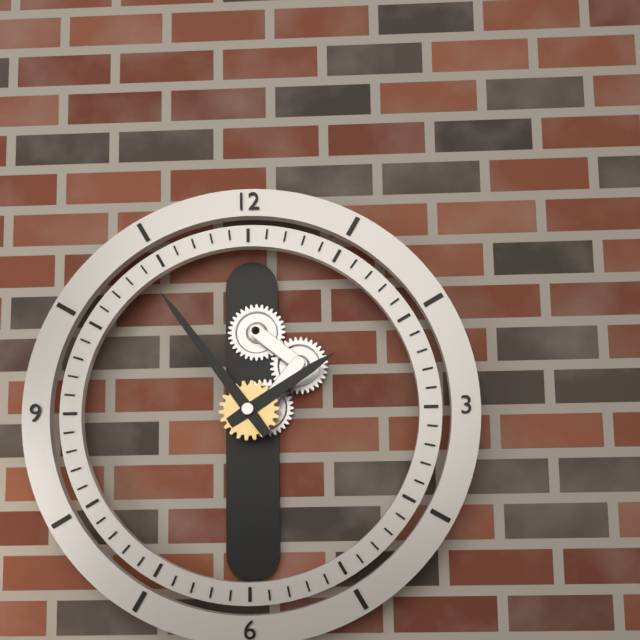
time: **1:54**
